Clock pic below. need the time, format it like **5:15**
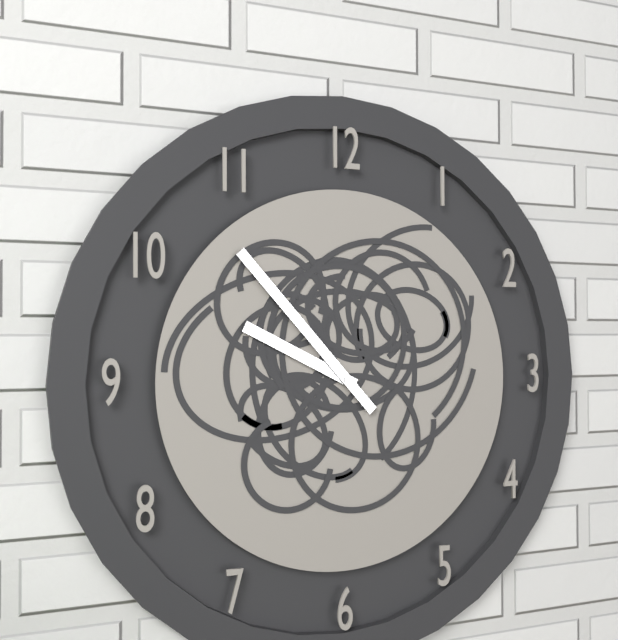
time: **9:53**
